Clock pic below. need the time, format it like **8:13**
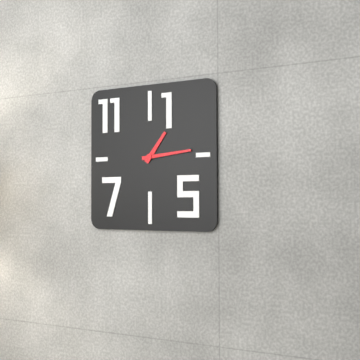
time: **1:14**
